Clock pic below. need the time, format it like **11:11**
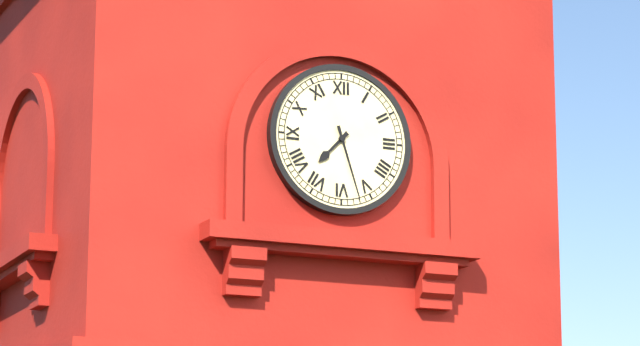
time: **7:27**
